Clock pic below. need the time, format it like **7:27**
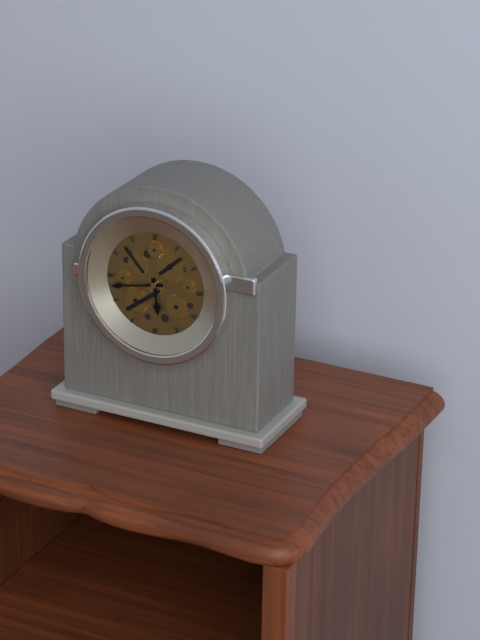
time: **5:43**
